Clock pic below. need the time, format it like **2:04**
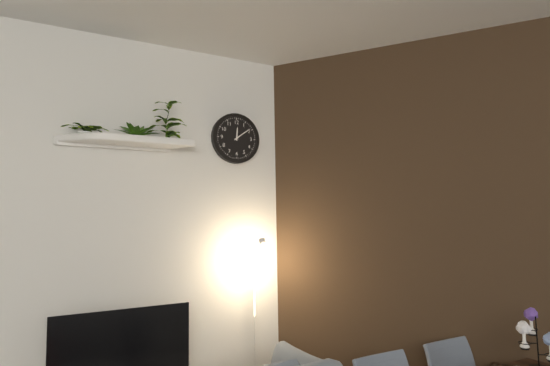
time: **12:09**
